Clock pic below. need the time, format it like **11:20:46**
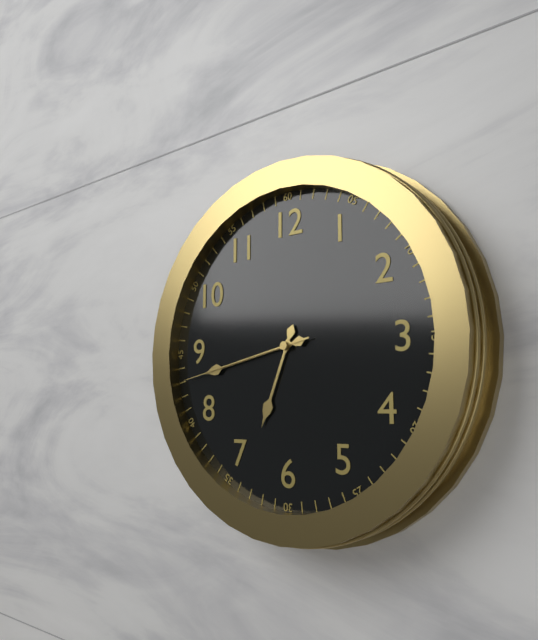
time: **6:43:43**
